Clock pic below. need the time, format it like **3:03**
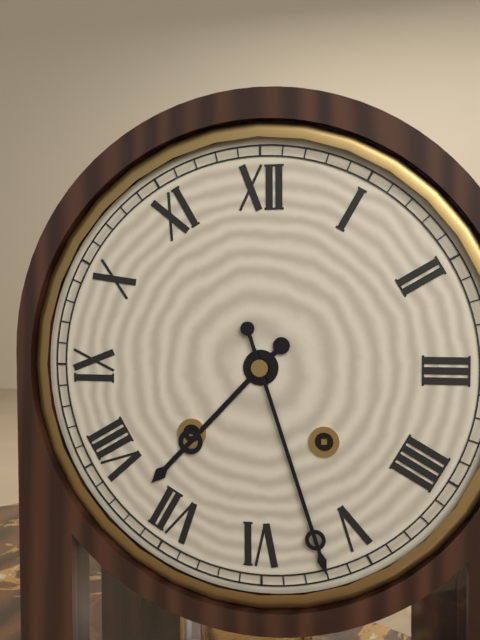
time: **7:27**
